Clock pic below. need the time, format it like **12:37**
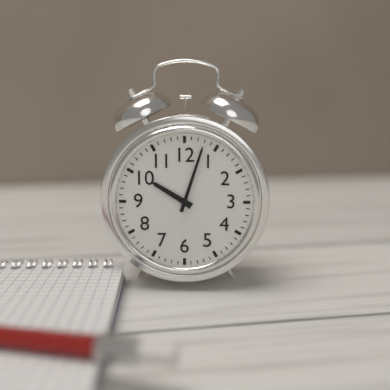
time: **10:03**
